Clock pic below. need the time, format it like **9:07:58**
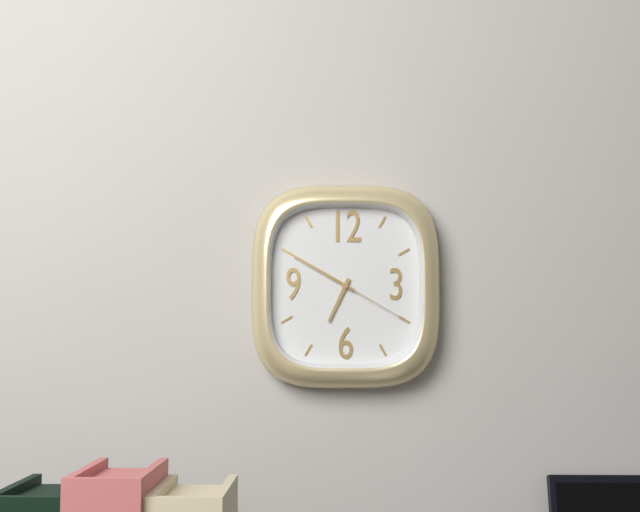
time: **6:50:20**
